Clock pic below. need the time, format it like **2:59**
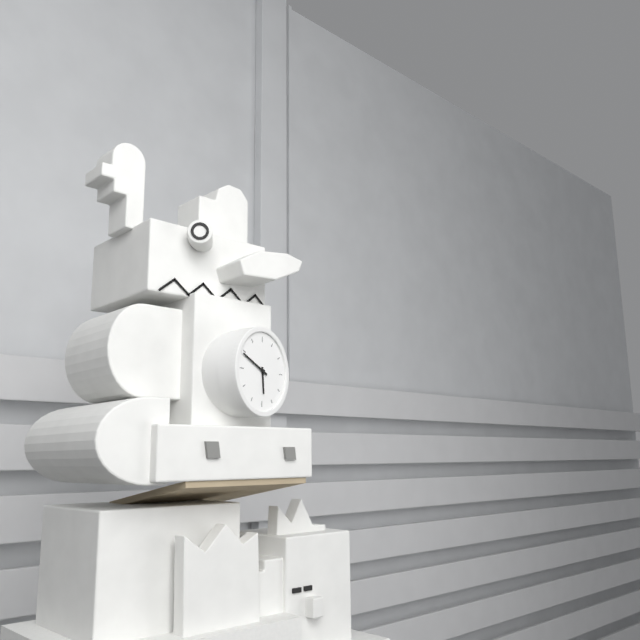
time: **5:49**
